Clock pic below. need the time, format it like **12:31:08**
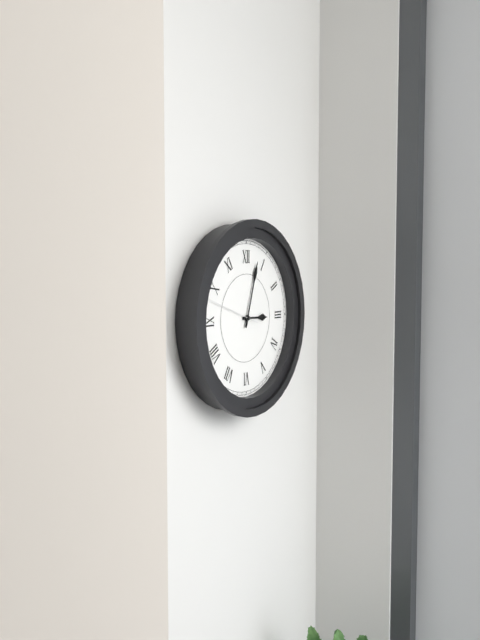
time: **3:03:48**
